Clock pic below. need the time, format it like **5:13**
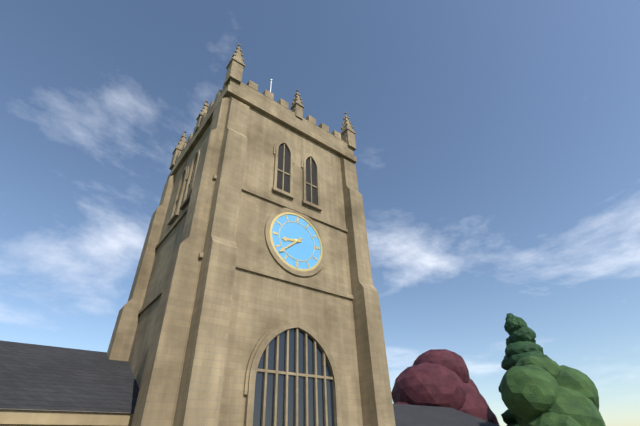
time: **8:38**
